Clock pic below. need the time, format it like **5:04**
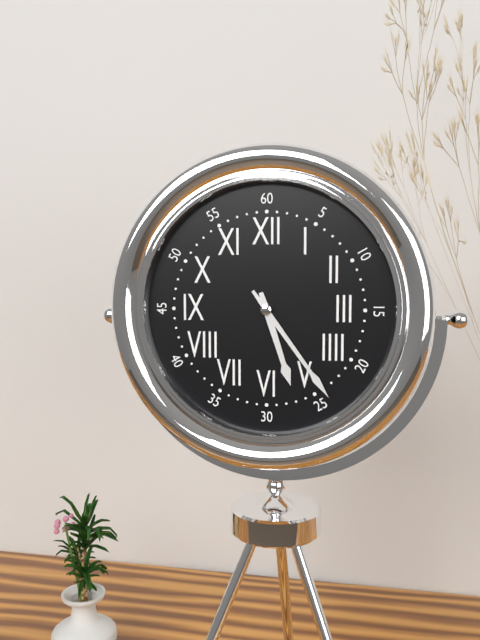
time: **5:24**
